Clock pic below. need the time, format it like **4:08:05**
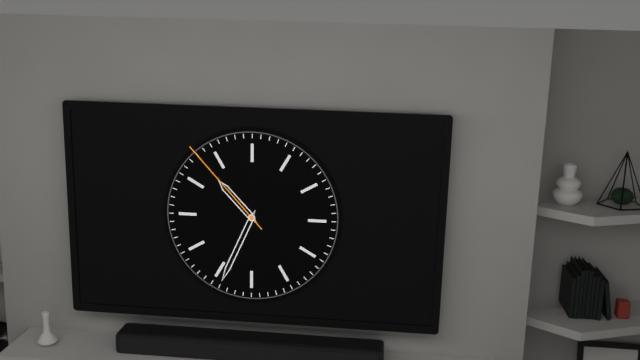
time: **10:34:53**
